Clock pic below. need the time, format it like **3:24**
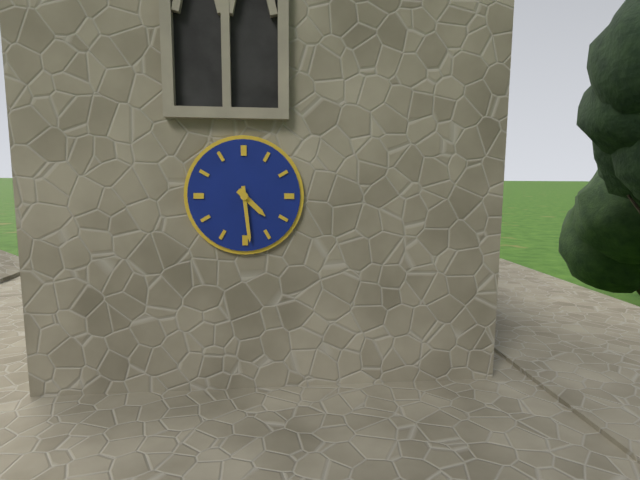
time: **4:29**
